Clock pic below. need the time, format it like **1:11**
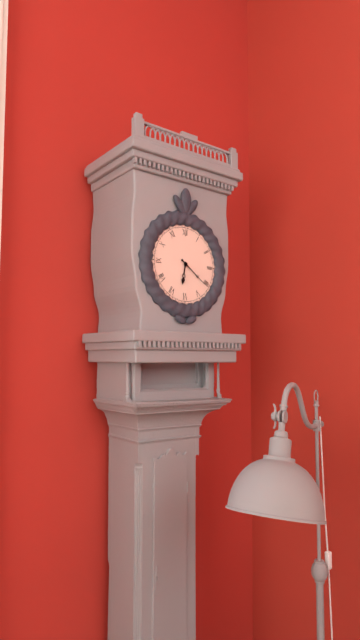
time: **6:21**
